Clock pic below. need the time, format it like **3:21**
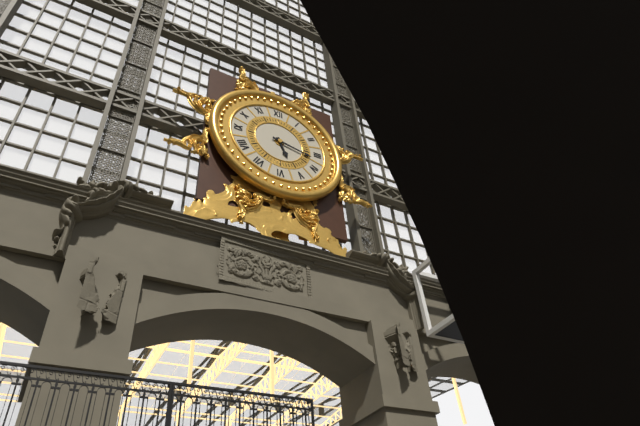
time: **5:17**
